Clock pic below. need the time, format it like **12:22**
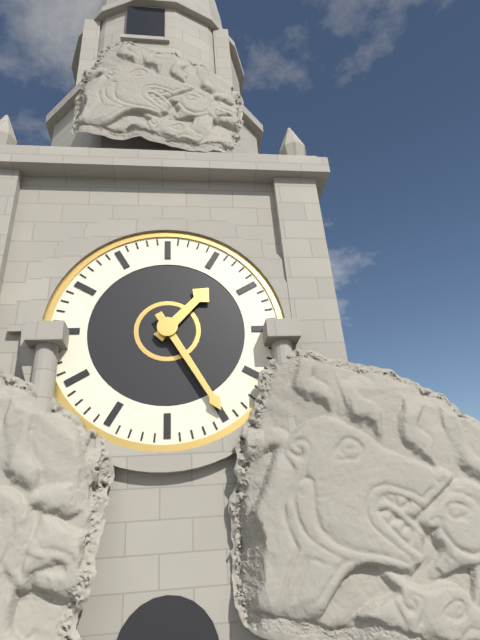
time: **1:25**
